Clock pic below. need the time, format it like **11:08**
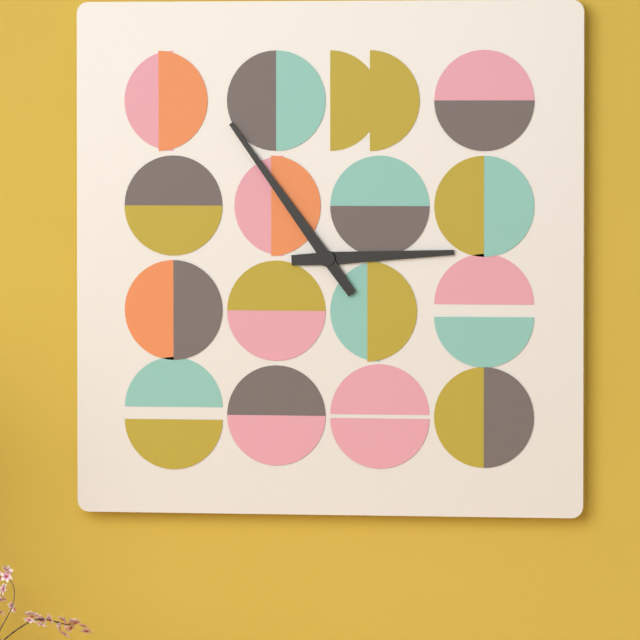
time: **2:54**
